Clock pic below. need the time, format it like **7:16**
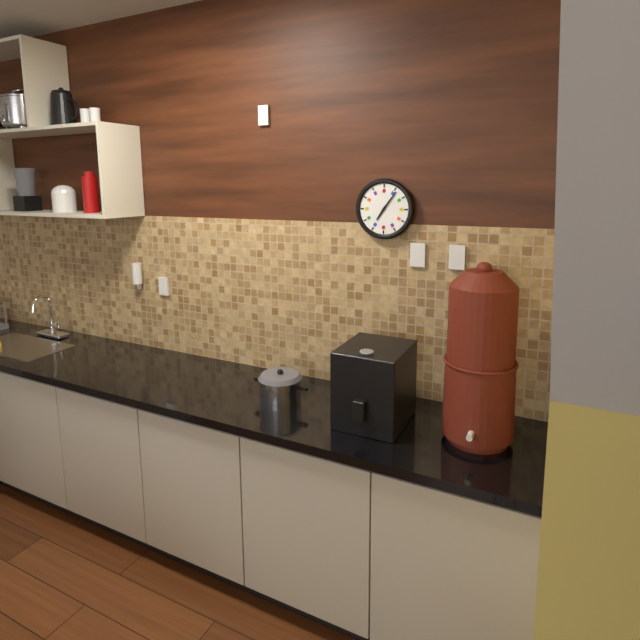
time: **7:06**
